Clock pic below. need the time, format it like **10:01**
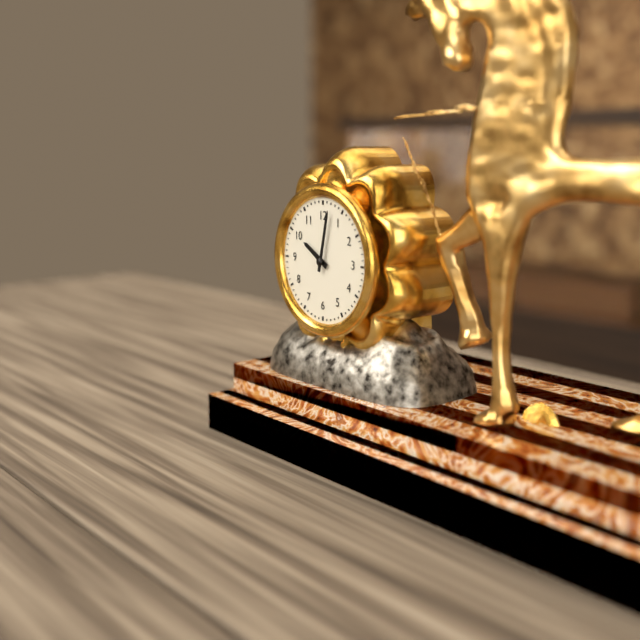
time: **10:02**
